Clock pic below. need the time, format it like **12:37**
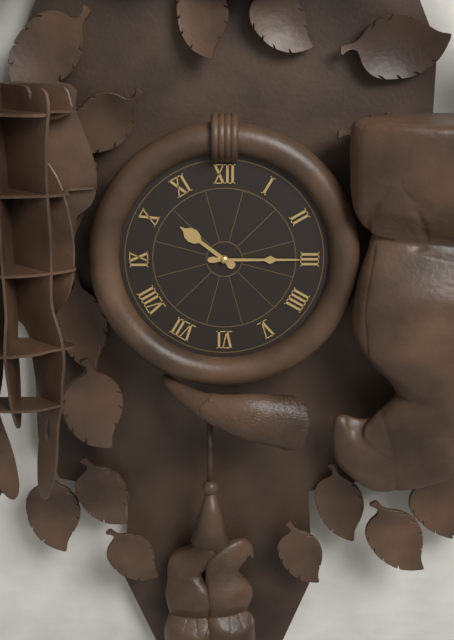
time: **10:15**
